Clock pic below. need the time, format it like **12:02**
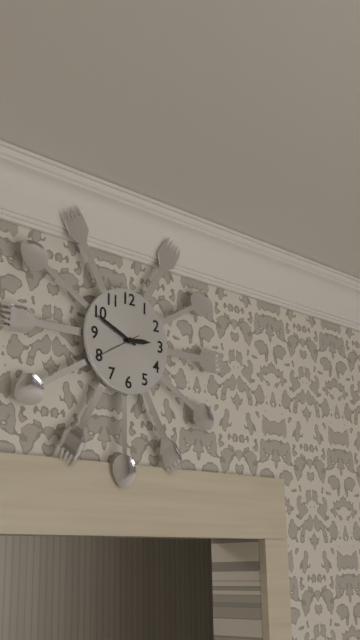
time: **2:49**
